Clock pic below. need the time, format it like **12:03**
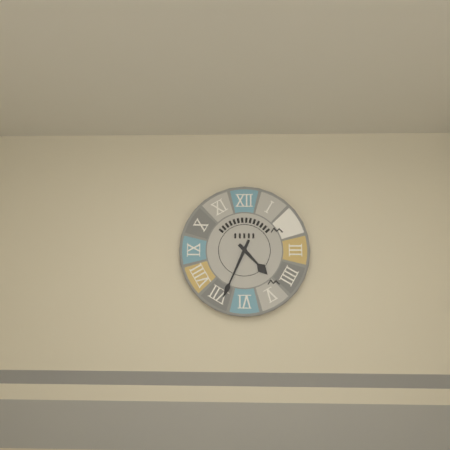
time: **4:34**
